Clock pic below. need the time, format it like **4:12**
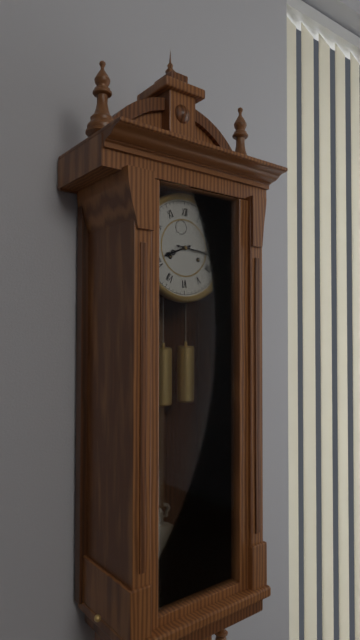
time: **8:16**
